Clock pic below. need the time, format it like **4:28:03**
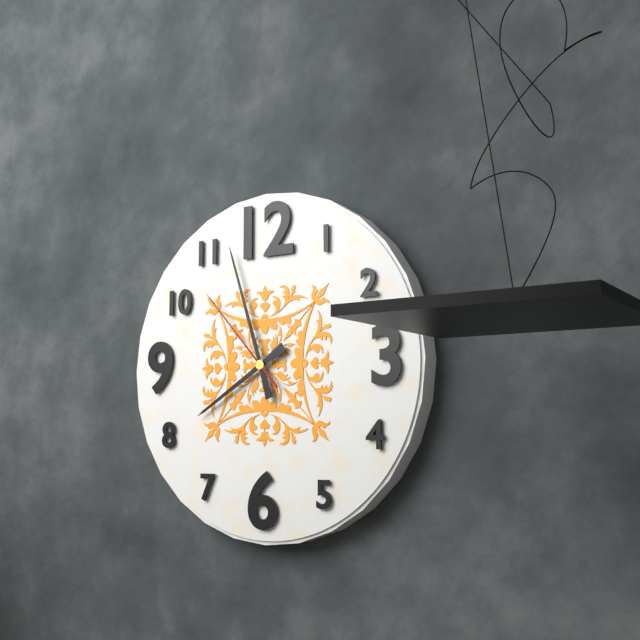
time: **7:57:53**
